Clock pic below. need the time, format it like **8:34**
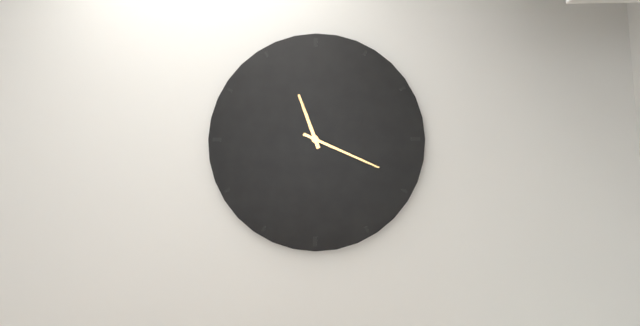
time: **11:19**
